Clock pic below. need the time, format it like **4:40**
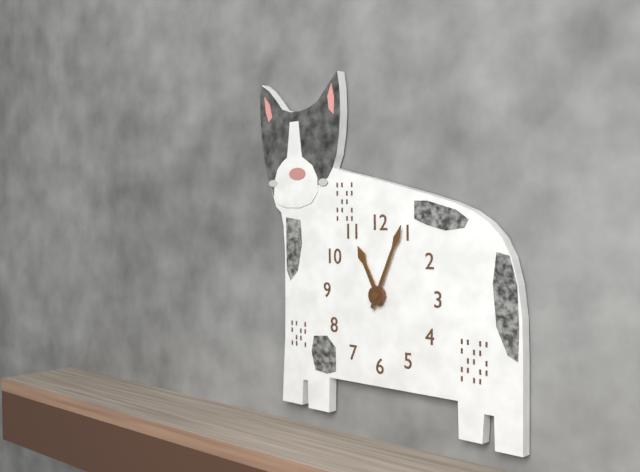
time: **11:04**
